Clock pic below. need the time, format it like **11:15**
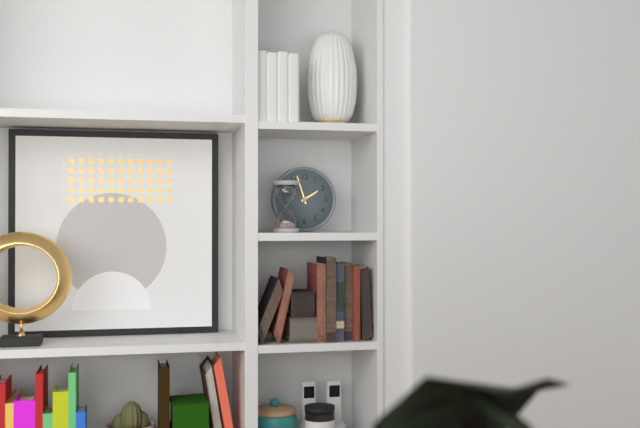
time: **1:57**
